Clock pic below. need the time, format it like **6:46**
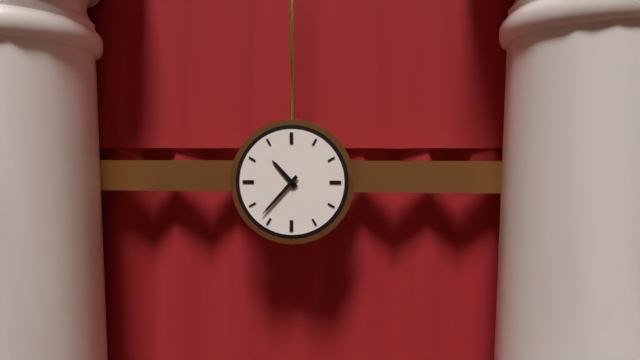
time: **10:37**
